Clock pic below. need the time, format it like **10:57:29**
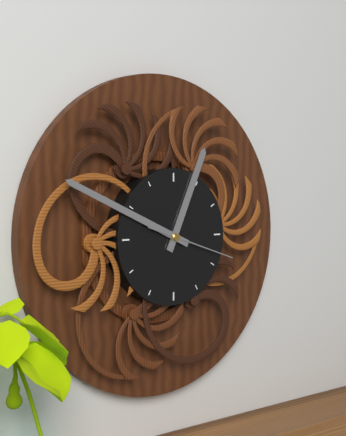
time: **12:49:18**
